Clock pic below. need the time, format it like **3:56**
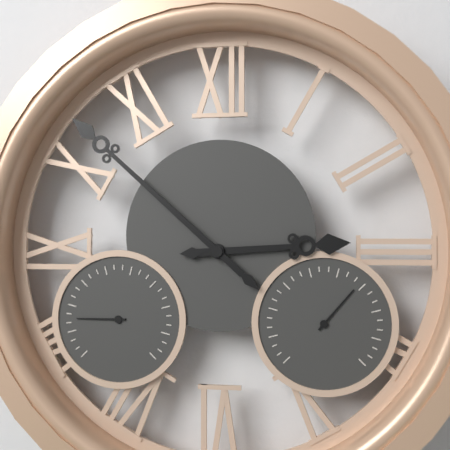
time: **2:52**
